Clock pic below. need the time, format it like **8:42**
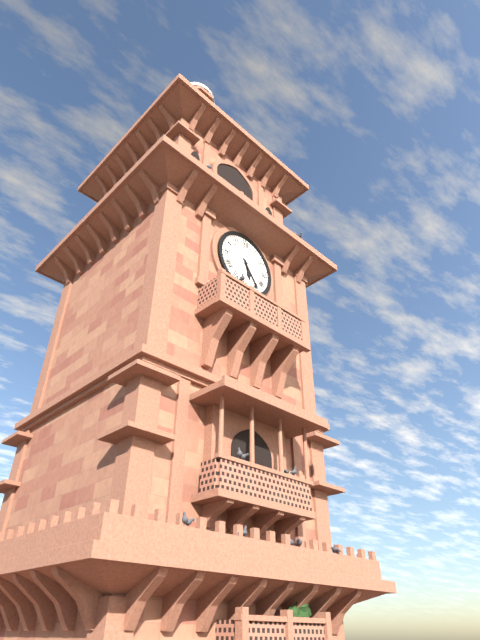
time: **5:24**
